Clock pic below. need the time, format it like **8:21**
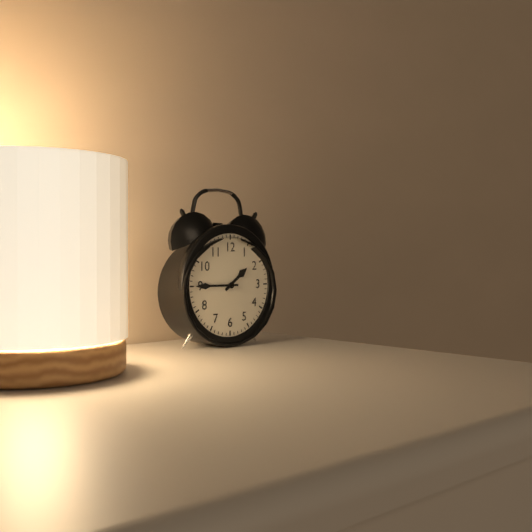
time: **1:45**
